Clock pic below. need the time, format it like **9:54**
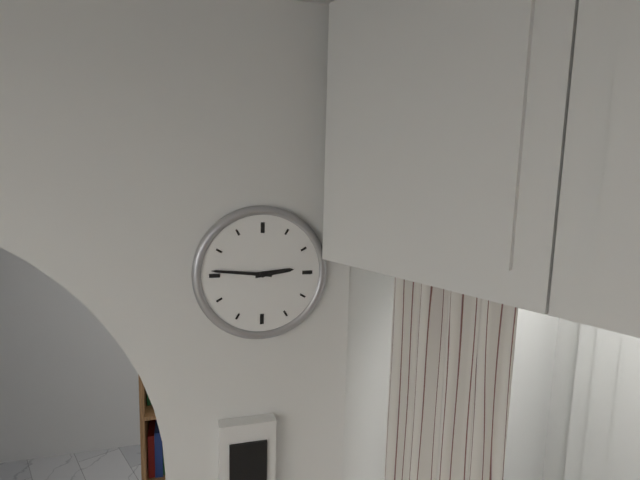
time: **2:46**
